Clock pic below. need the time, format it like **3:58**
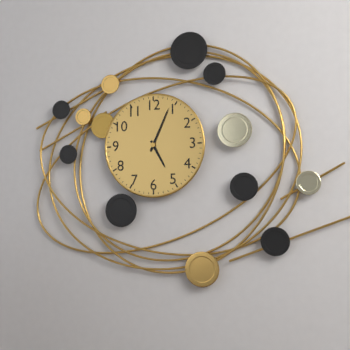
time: **5:04**
